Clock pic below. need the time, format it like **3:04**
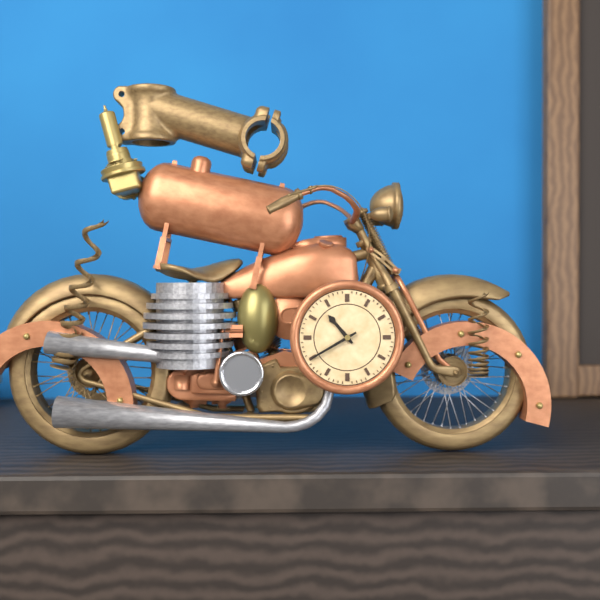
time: **10:40**
